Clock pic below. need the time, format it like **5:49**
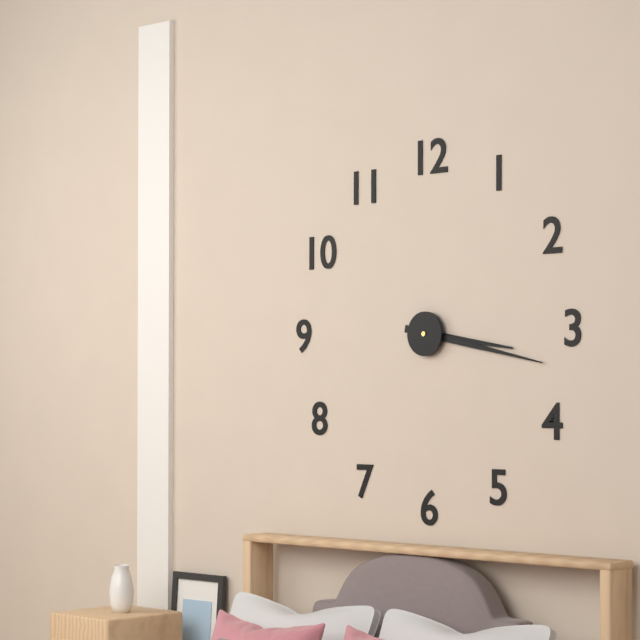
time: **3:17**
